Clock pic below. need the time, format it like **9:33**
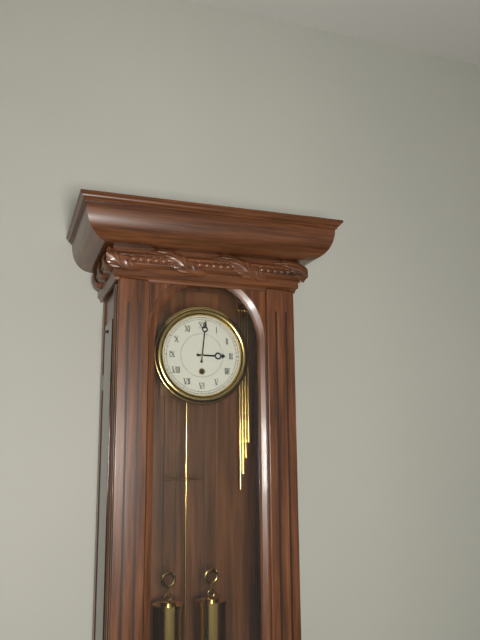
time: **3:01**
